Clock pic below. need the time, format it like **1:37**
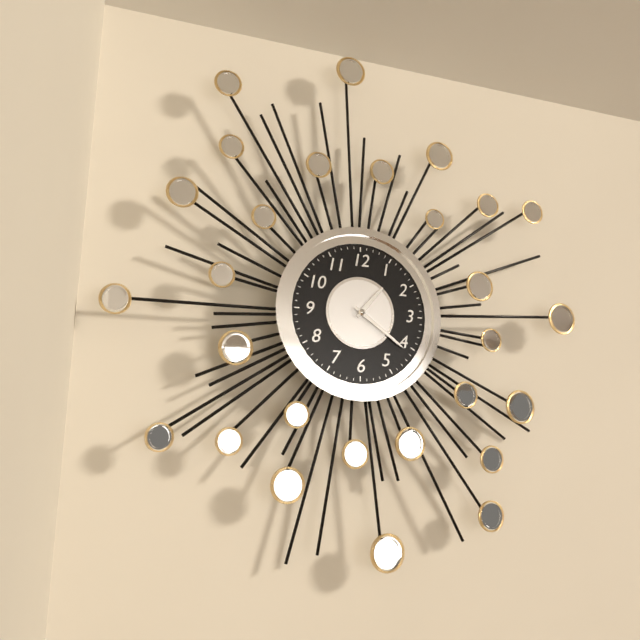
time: **1:21**
